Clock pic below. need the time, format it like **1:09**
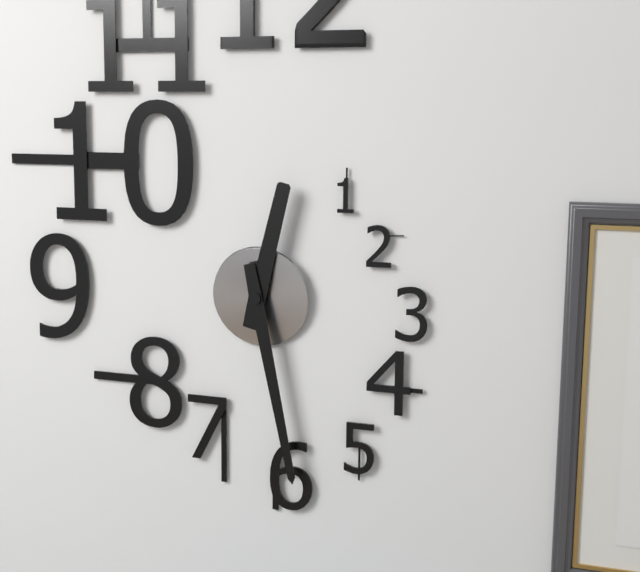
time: **12:28**
